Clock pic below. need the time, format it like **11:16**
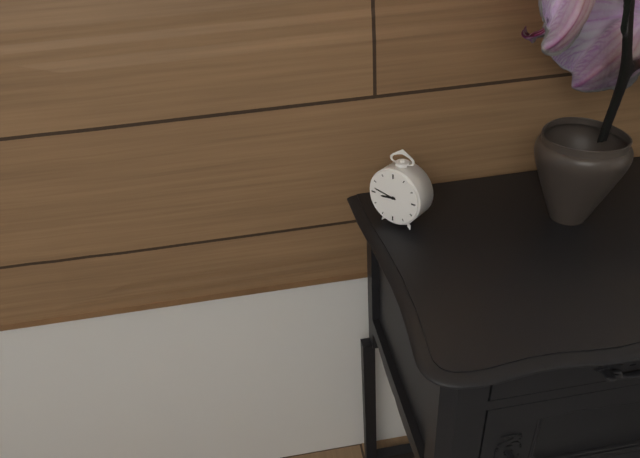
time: **8:47**
